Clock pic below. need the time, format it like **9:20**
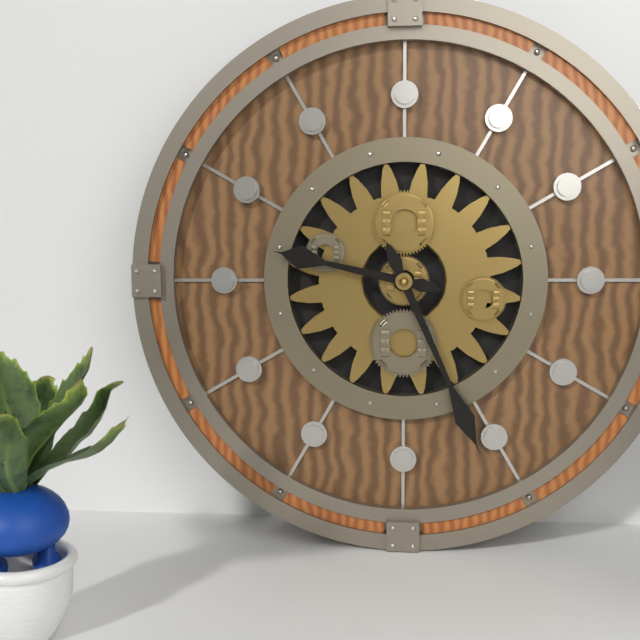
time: **9:26**
